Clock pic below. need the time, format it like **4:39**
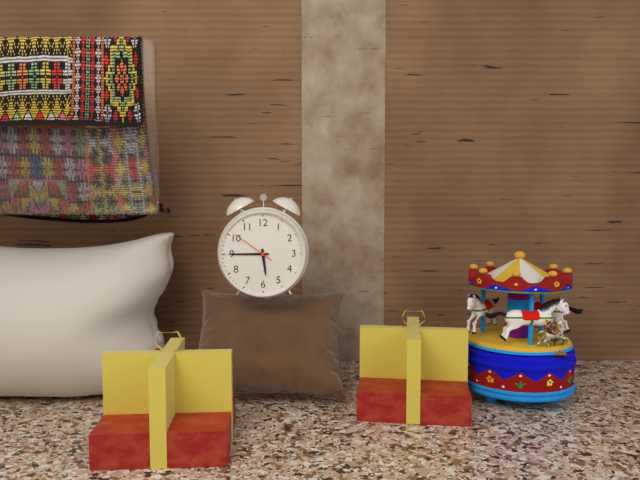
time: **5:45**
